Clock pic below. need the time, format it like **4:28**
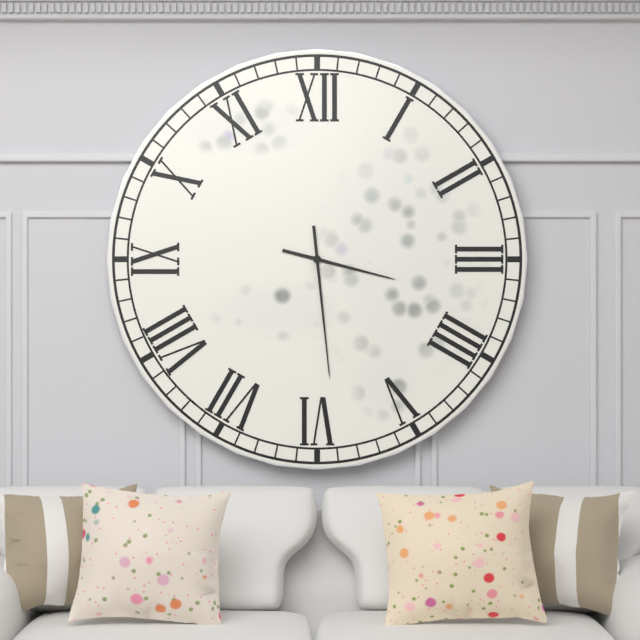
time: **3:29**
